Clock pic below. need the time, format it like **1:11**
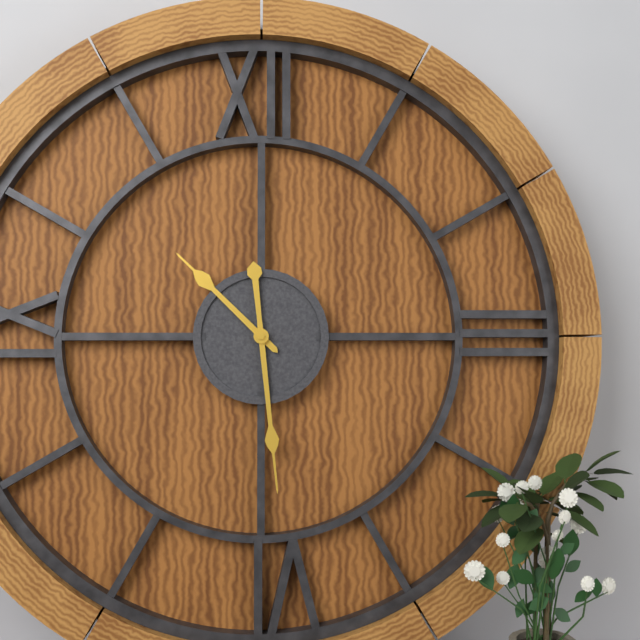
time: **10:29**
